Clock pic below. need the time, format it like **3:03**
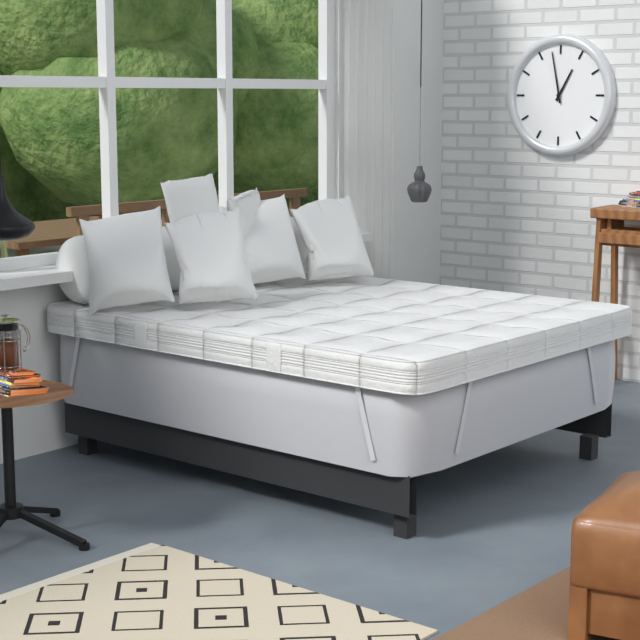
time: **12:58**
